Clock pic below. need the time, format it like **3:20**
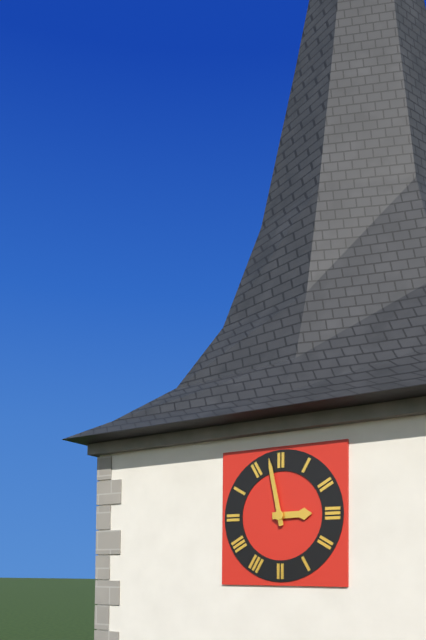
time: **2:58**
